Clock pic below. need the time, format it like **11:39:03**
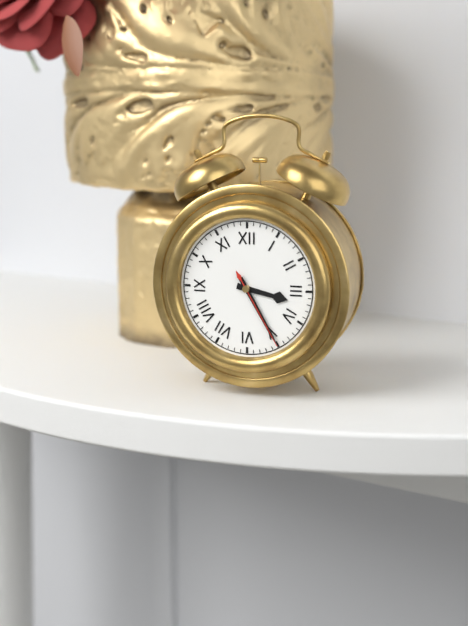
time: **3:25:25**
